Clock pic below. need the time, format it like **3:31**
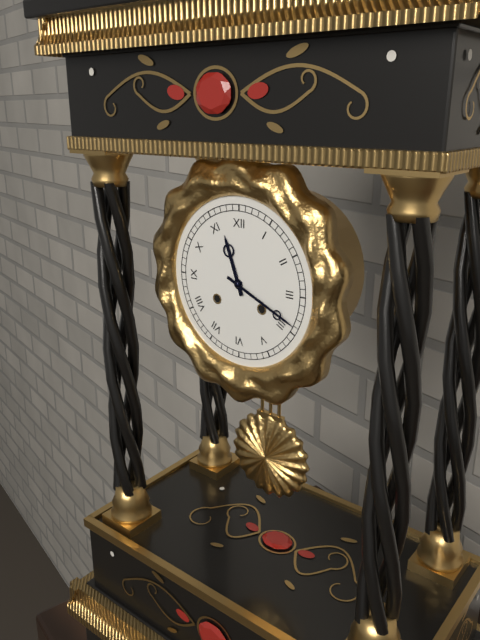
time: **11:19**
